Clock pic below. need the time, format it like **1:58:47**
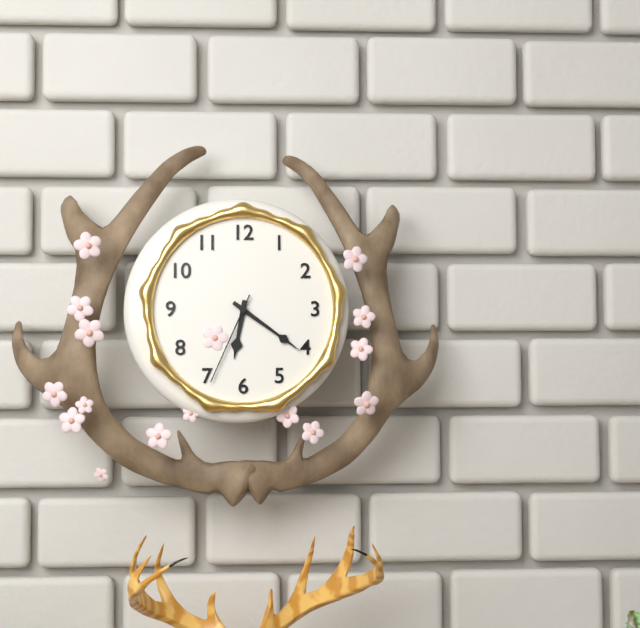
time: **6:21:34**
